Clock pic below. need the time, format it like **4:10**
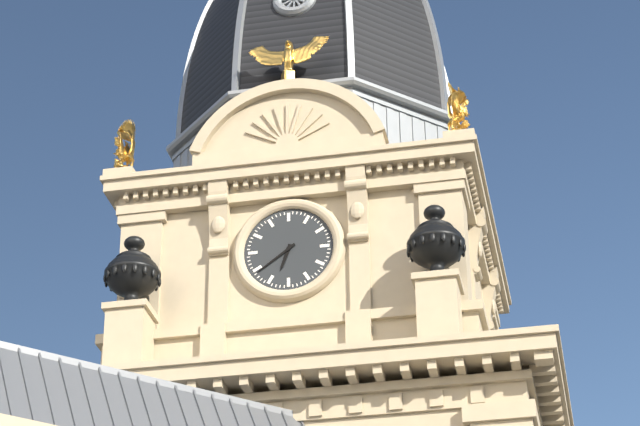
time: **6:39**
